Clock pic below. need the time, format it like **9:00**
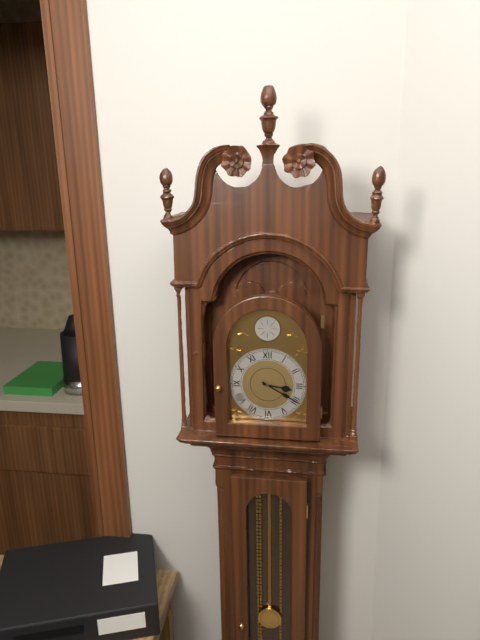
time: **3:20**
